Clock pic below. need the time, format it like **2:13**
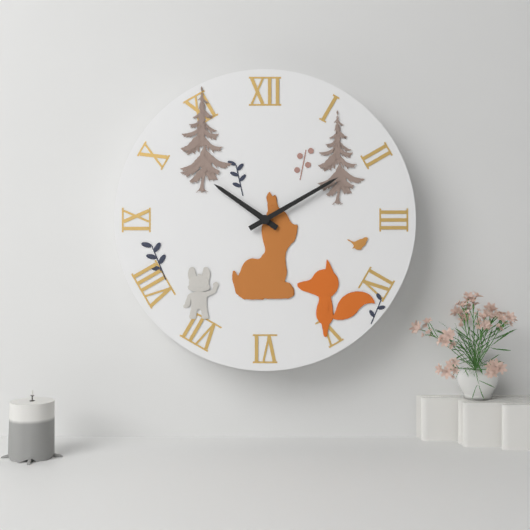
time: **10:10**
